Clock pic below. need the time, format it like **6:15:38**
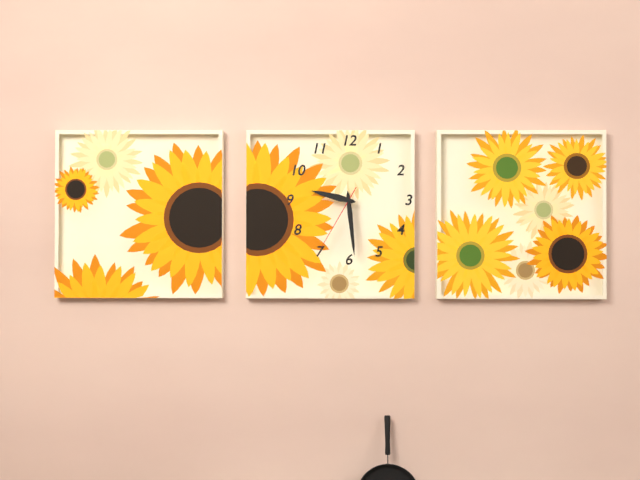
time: **9:29:35**
